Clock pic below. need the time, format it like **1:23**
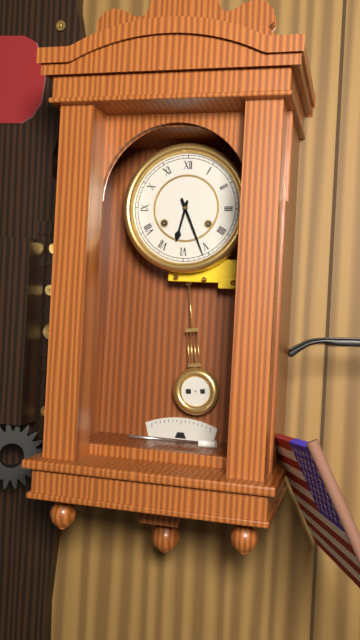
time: **6:26**
